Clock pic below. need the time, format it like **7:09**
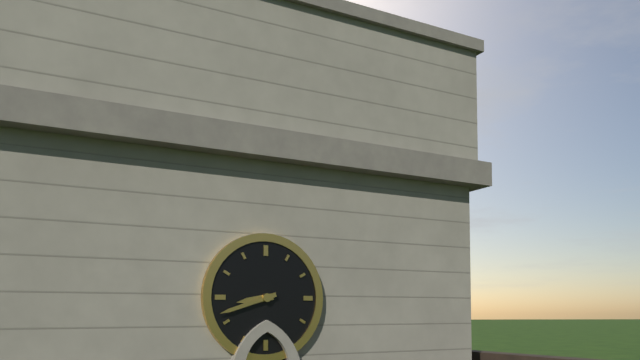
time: **8:42**
